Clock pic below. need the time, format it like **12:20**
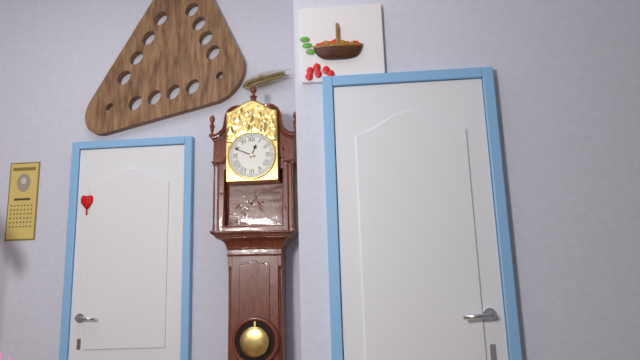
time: **12:49**
